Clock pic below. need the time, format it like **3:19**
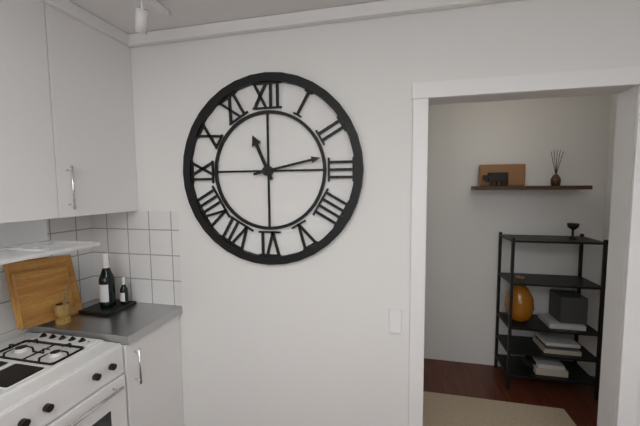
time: **11:13**
